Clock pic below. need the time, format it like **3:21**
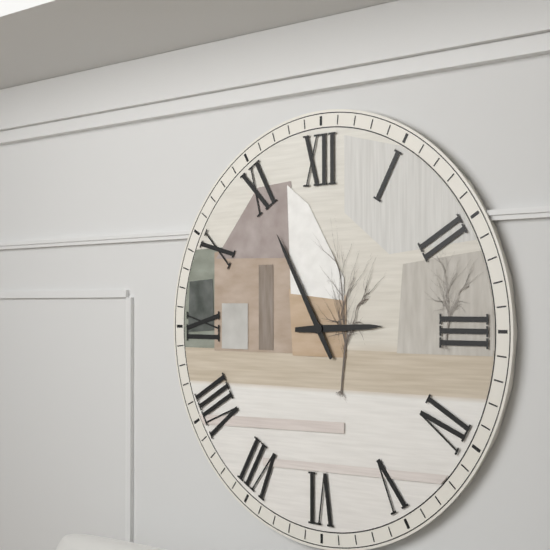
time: **2:55**
